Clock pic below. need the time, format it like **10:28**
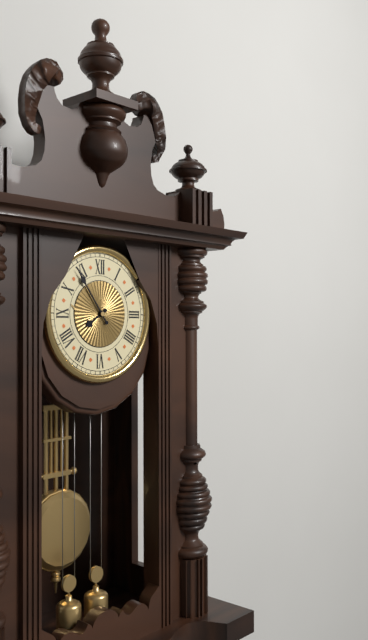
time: **7:54**
